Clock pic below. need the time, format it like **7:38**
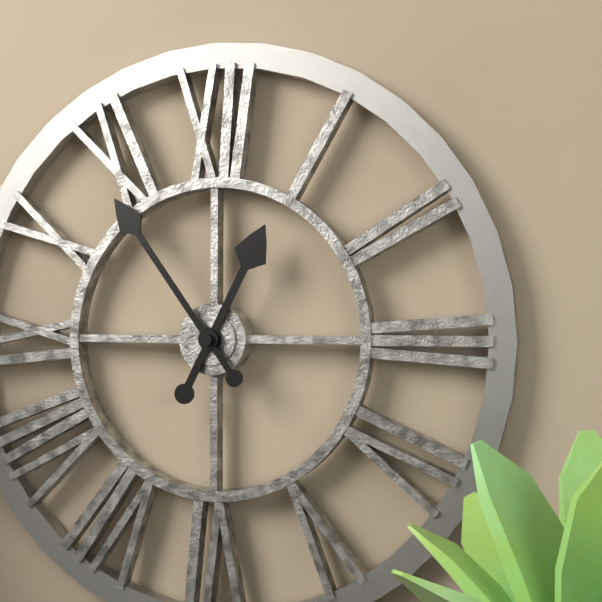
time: **12:54**
